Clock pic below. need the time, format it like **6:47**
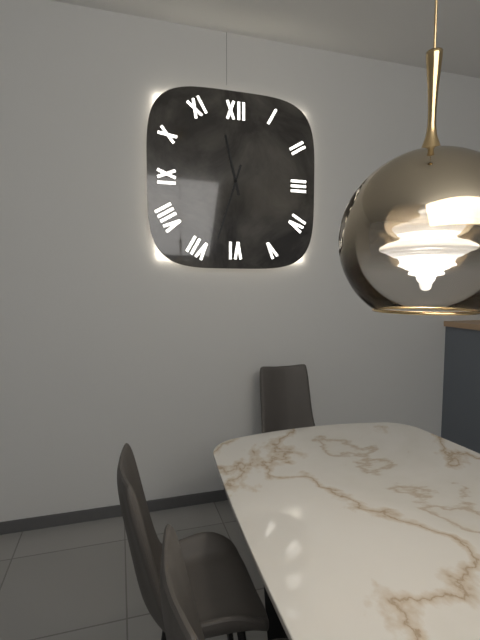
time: **11:33**
